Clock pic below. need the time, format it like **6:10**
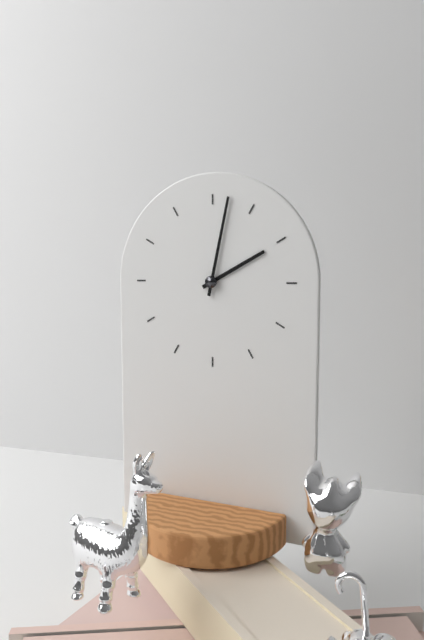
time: **2:02**
